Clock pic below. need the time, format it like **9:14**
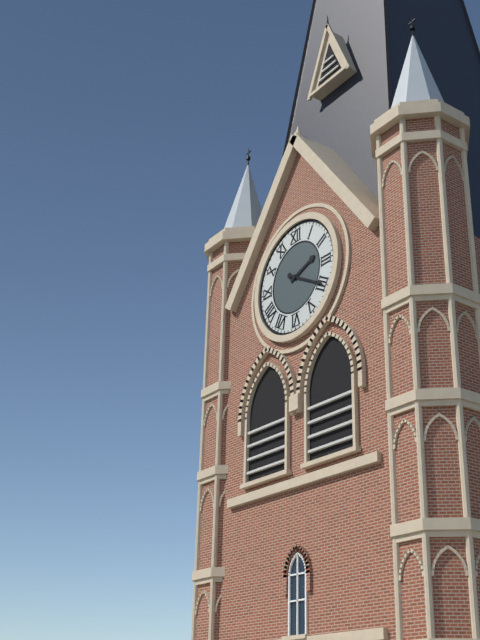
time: **2:20**
